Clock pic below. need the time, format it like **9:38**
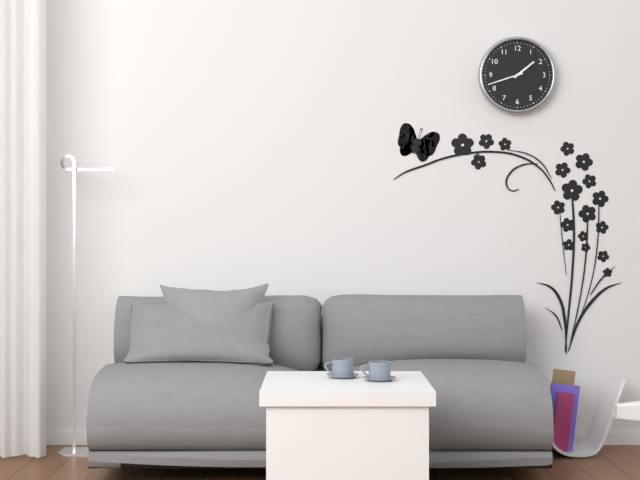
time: **1:42**
